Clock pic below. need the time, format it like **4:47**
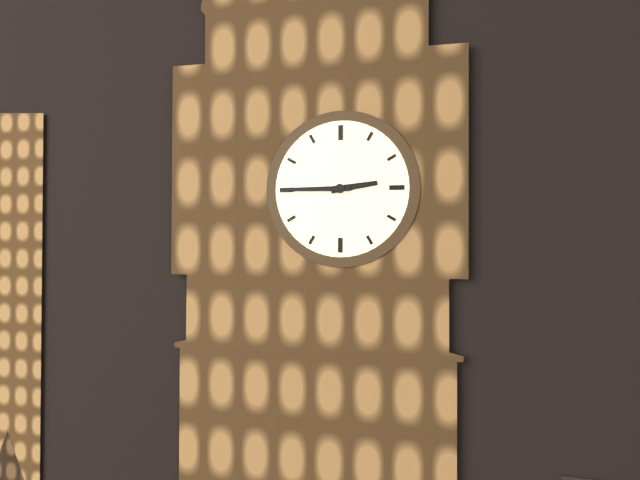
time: **2:45**
